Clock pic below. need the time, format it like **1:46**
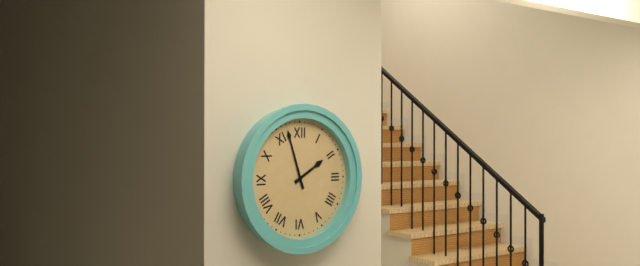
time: **1:57**
